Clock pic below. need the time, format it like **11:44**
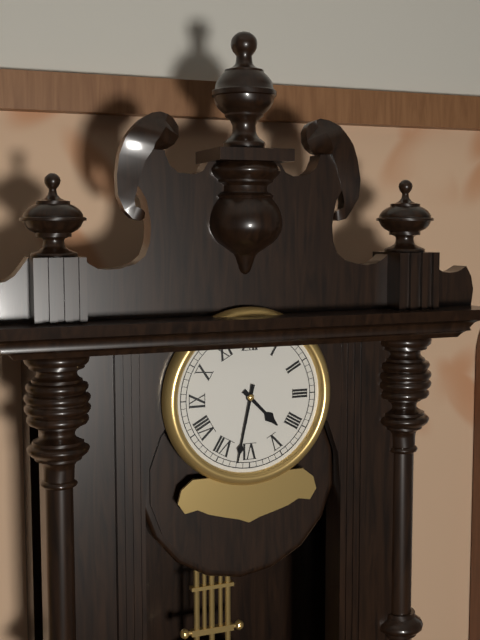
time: **4:32**
